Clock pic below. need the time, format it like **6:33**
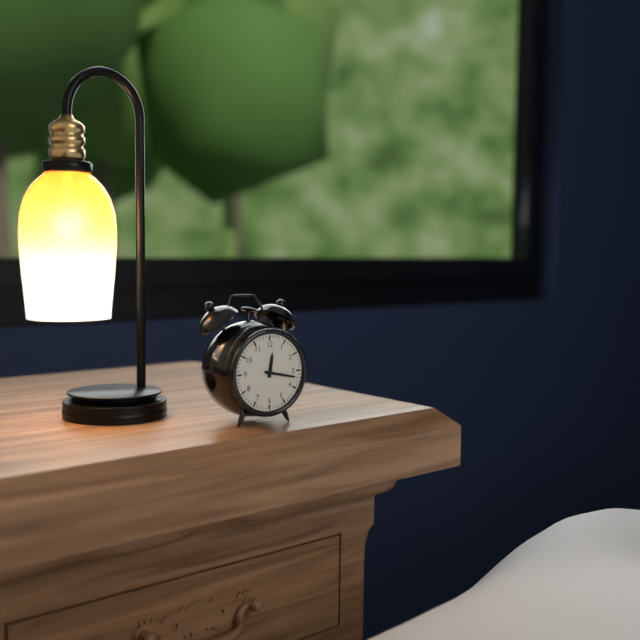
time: **12:17**
